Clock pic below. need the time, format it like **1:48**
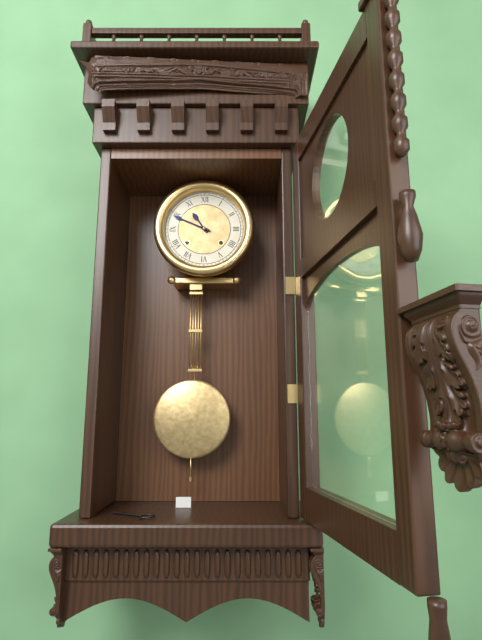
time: **10:49**
